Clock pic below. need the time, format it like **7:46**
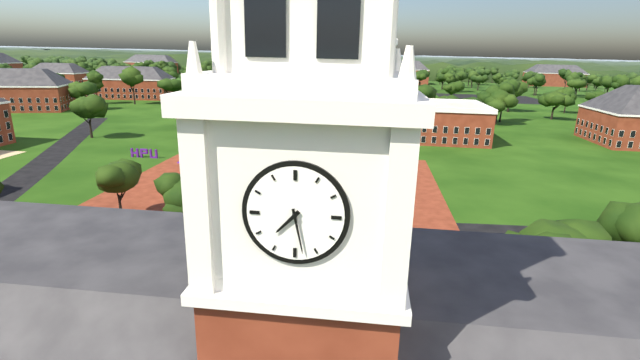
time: **7:28**
